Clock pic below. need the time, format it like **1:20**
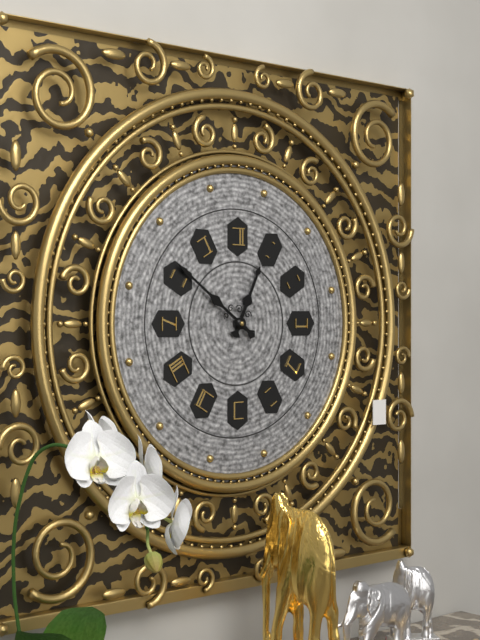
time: **12:51**
